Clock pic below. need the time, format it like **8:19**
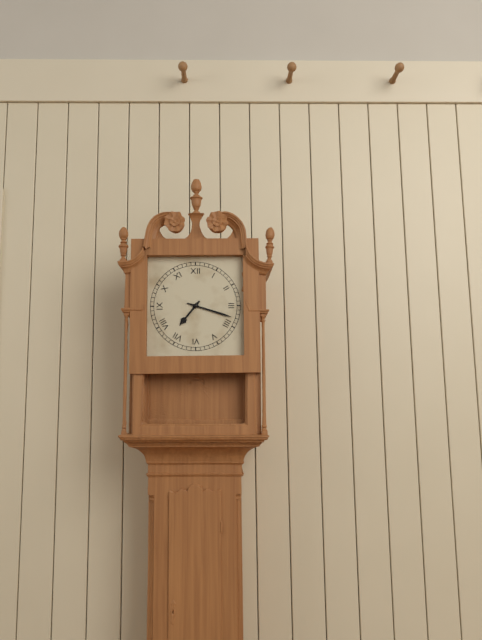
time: **7:18**
